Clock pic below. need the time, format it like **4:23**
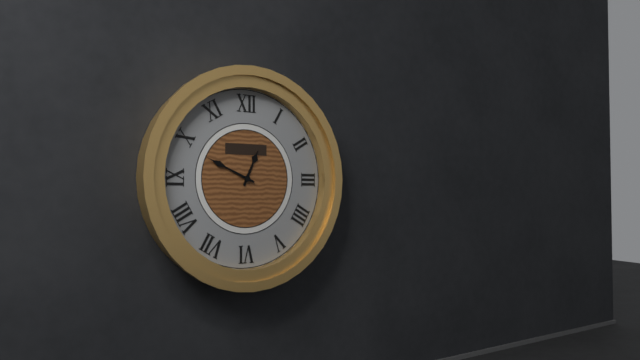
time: **12:49**
